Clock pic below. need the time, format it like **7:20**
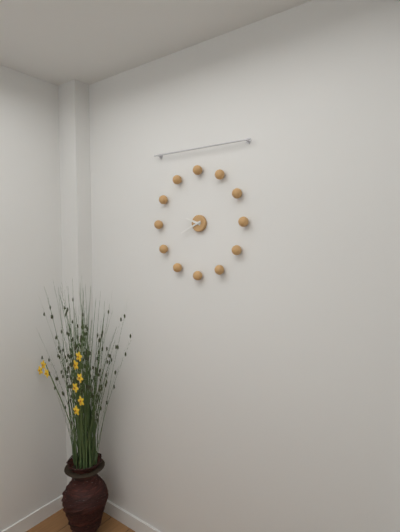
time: **9:41**
